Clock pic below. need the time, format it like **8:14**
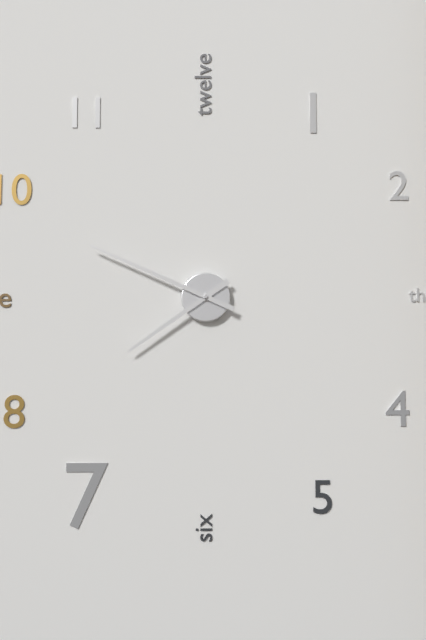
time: **7:49**
